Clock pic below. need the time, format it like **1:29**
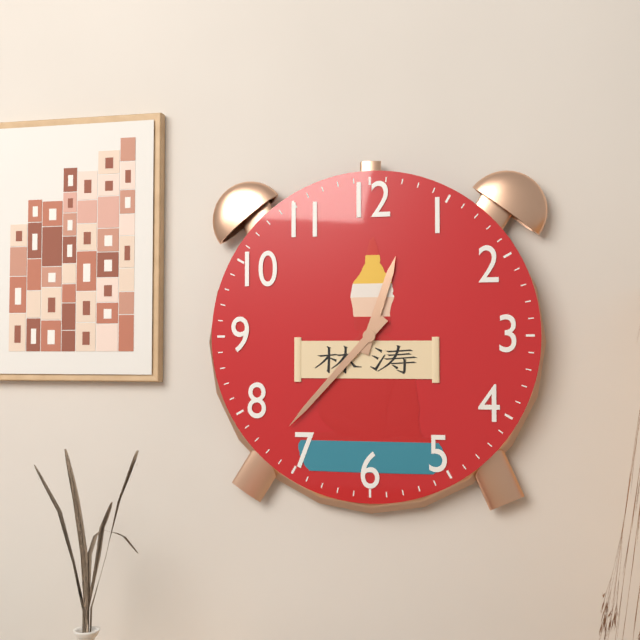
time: **12:37**
